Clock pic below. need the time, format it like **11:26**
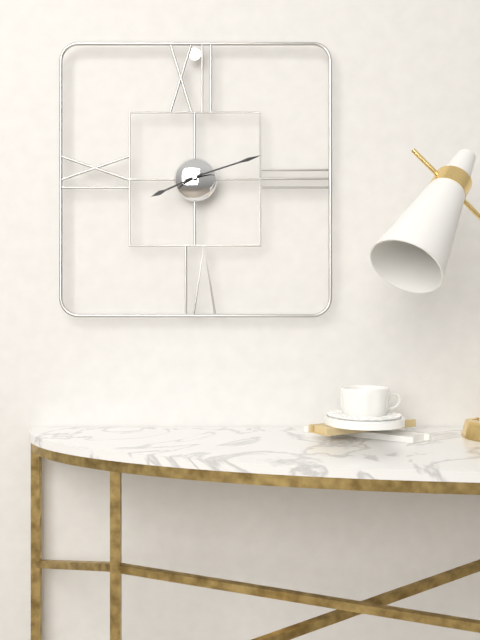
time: **8:12**
